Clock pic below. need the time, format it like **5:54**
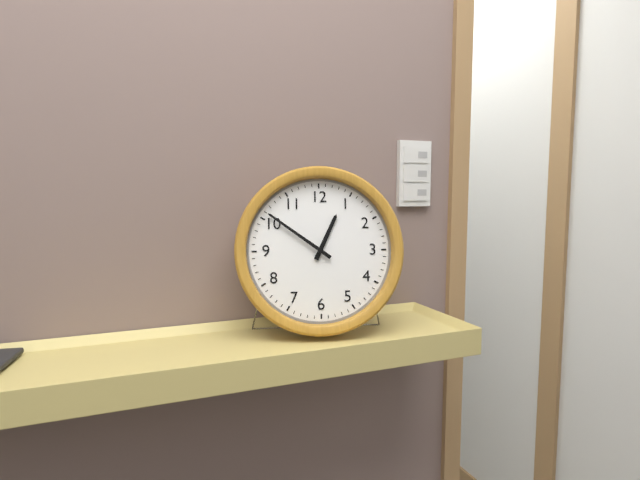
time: **12:51**
